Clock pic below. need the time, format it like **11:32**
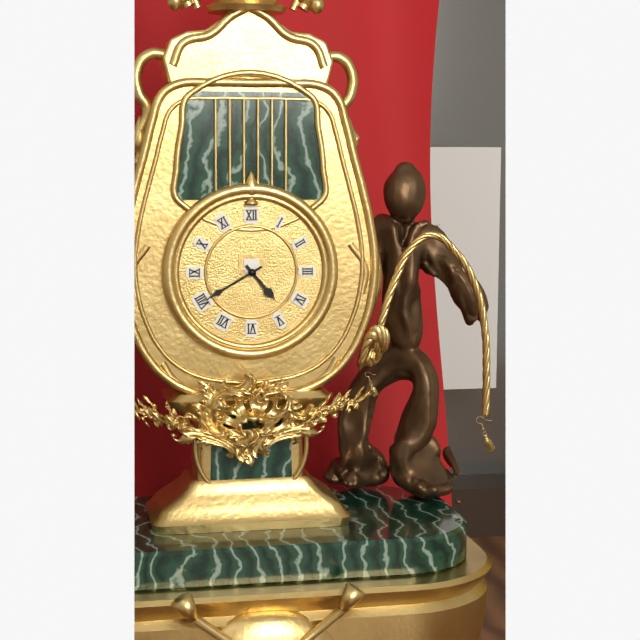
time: **4:40**
